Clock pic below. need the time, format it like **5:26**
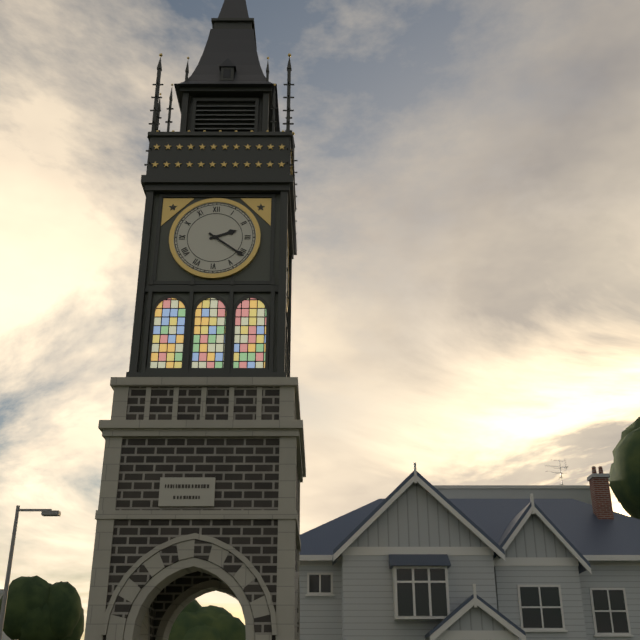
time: **2:21**
